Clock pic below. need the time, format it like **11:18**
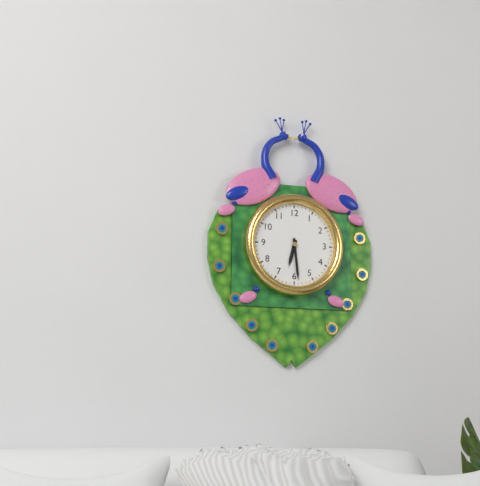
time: **6:29**
